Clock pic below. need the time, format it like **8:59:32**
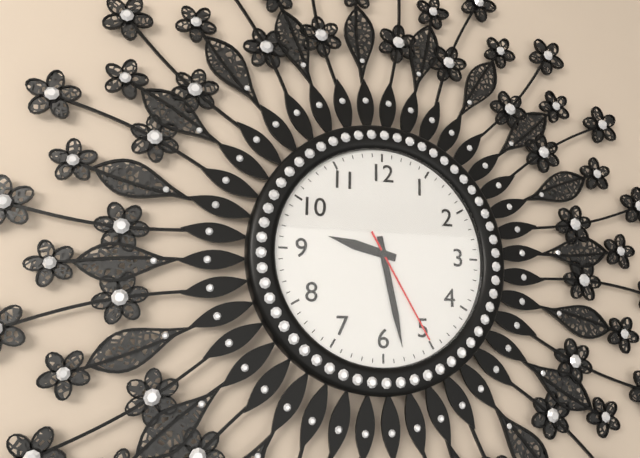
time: **9:28:25**
